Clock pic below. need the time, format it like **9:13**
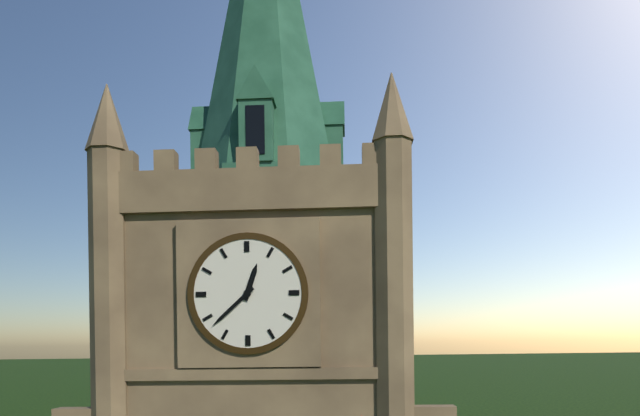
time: **12:38**
